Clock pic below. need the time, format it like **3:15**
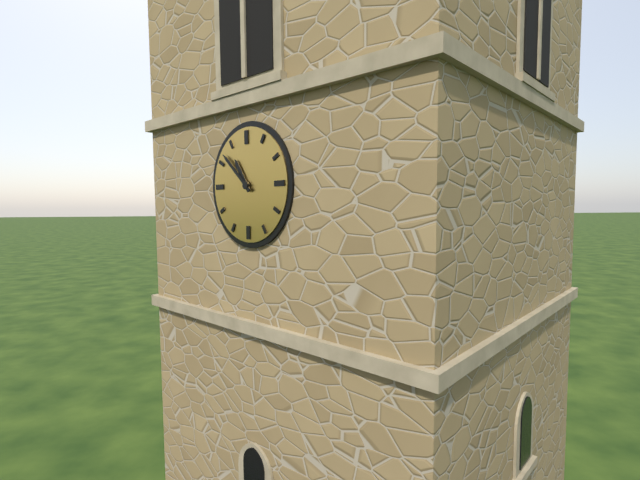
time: **10:52**
